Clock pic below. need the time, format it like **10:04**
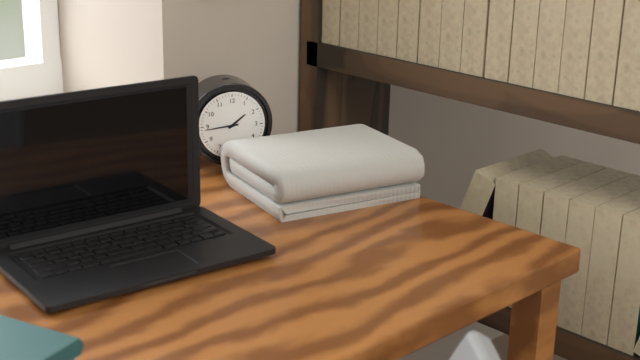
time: **1:44**
